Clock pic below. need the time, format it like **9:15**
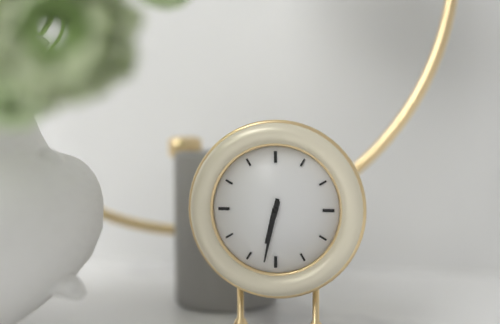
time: **6:32**
